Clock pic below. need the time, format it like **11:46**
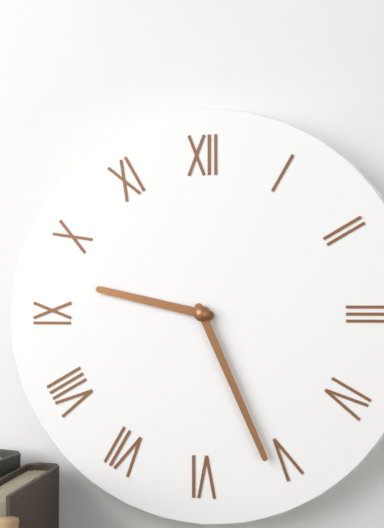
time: **9:26**
